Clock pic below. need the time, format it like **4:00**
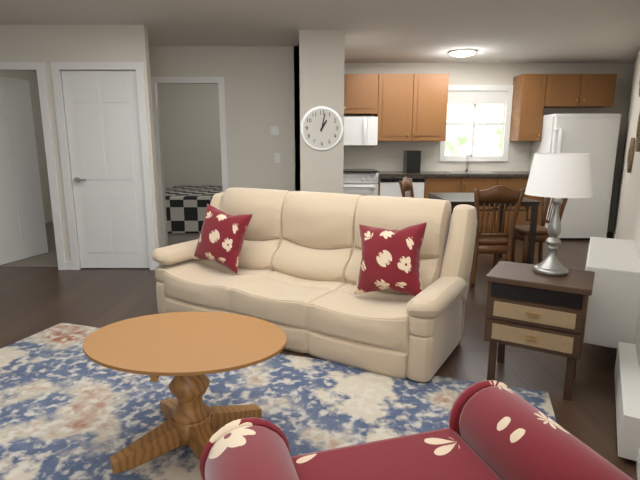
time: **1:02**
